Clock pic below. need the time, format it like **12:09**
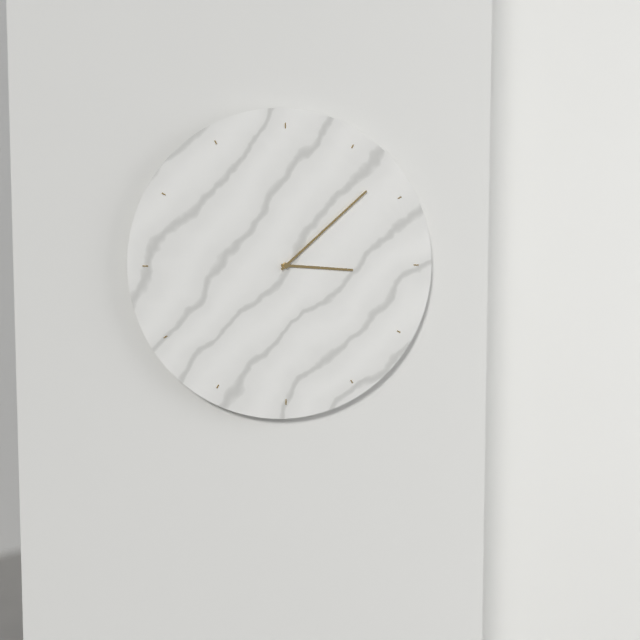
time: **3:08**
